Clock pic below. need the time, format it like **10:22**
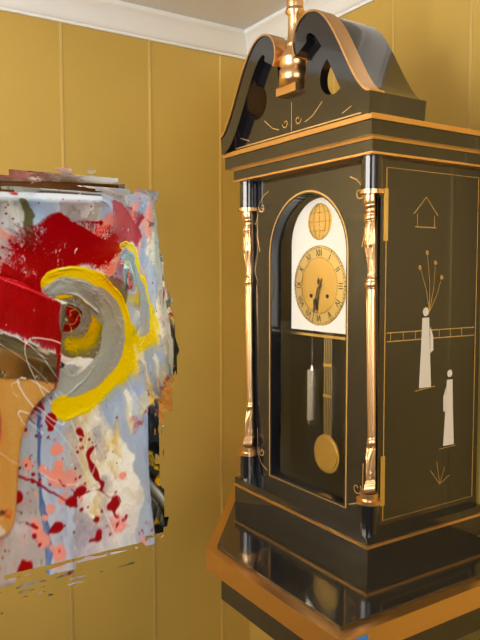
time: **6:32**
